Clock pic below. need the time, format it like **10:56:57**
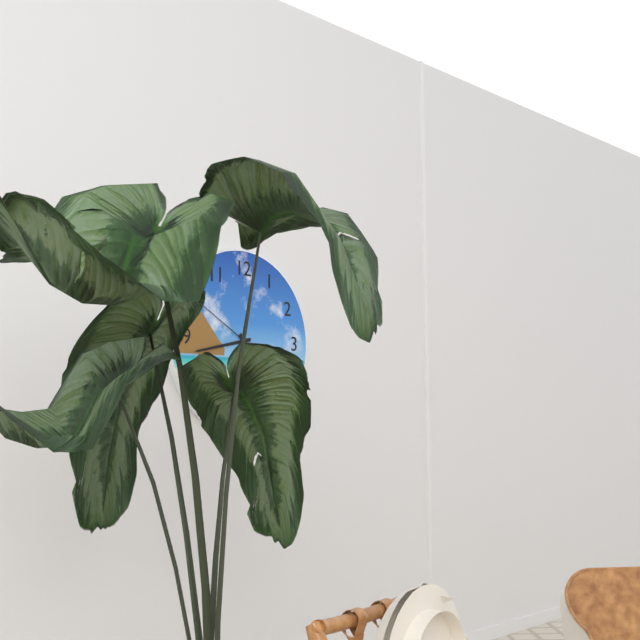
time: **4:43:50**
